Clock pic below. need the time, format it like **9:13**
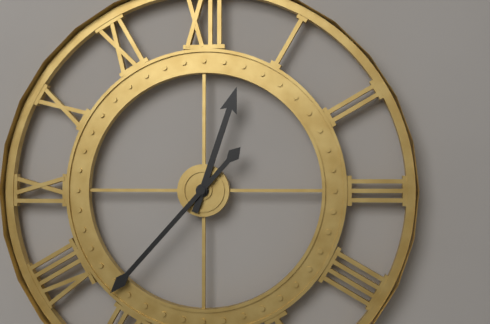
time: **12:37**
